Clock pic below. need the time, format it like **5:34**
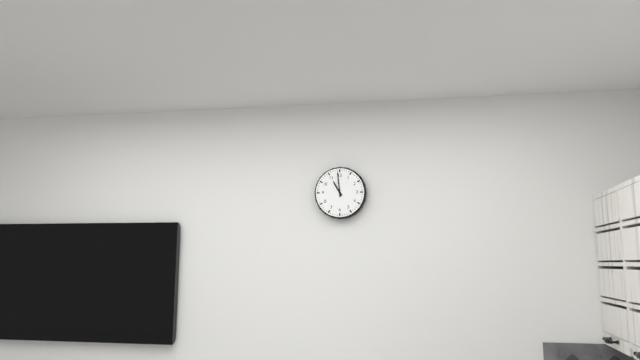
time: **10:59**
